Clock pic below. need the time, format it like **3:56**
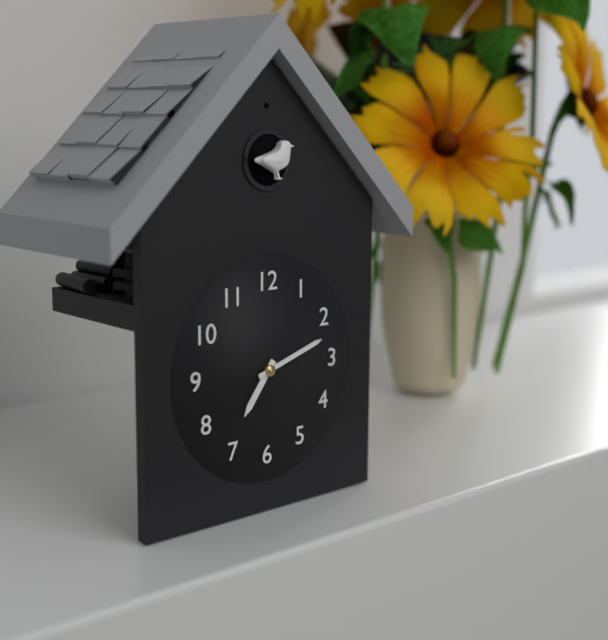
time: **7:12**
